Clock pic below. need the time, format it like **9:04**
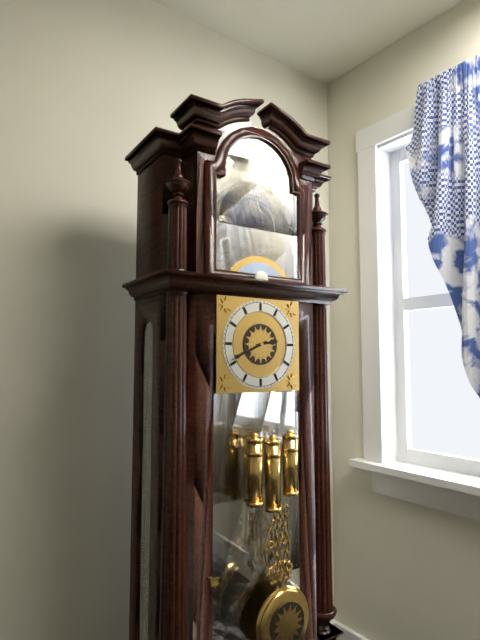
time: **2:41**
